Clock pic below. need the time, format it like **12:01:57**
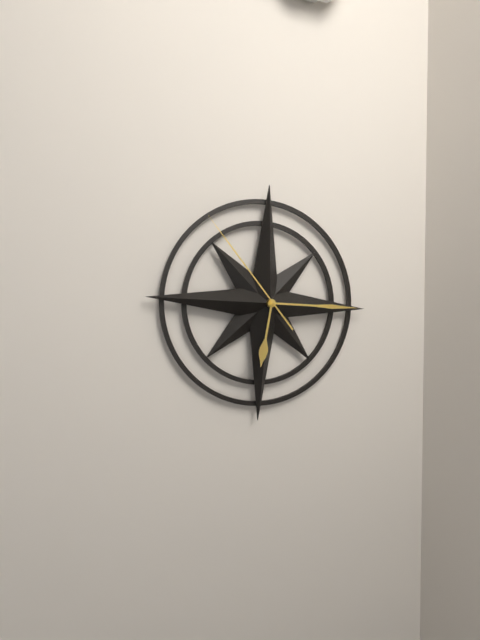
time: **6:15:53**
